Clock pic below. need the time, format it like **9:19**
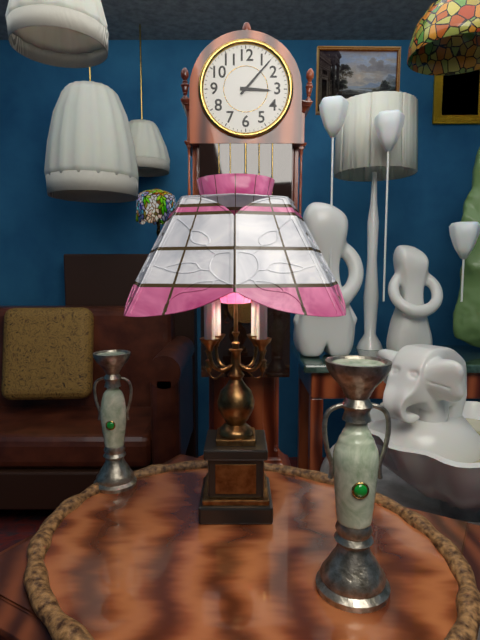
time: **3:07**
